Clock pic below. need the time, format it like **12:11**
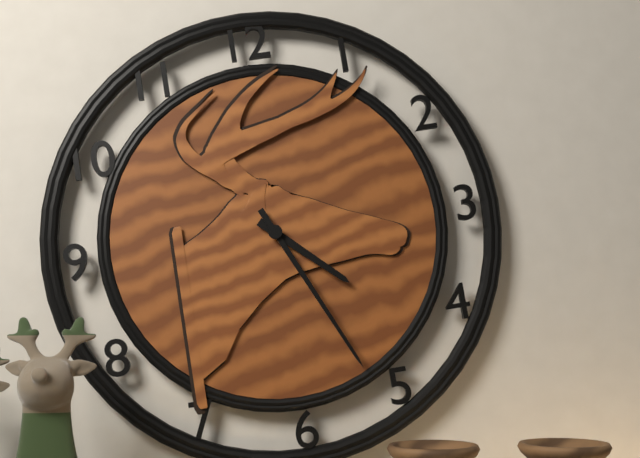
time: **4:26**
